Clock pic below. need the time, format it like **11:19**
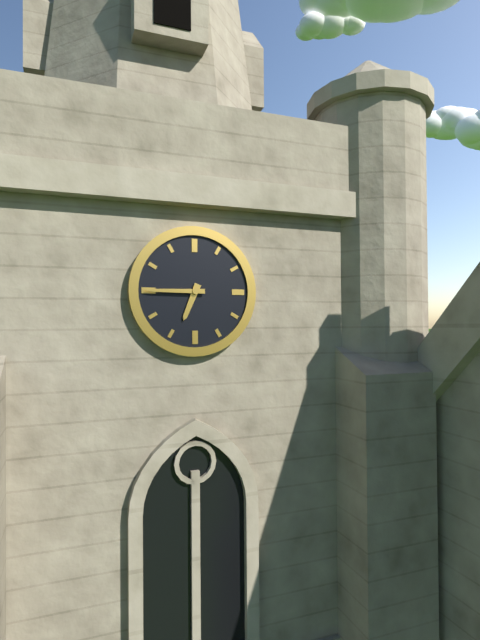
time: **6:45**
